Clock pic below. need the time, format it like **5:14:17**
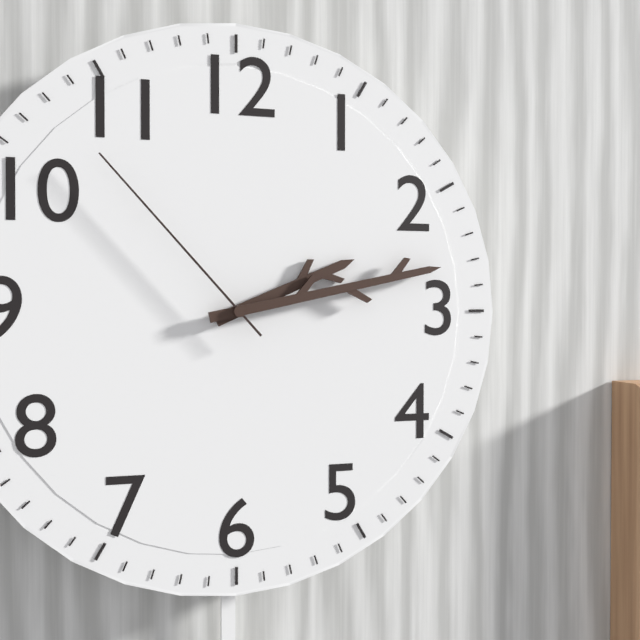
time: **2:13:53**
